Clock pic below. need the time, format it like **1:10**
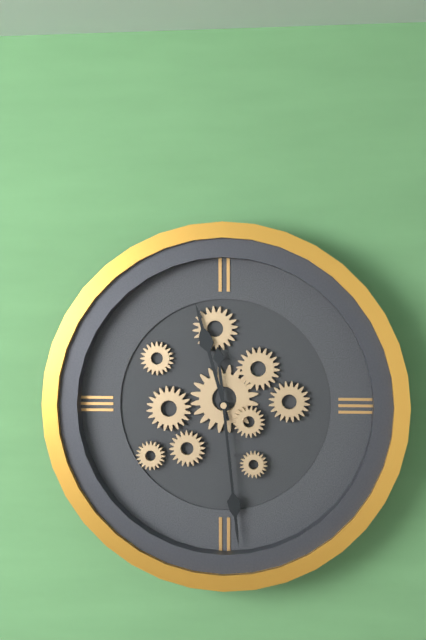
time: **11:29**
